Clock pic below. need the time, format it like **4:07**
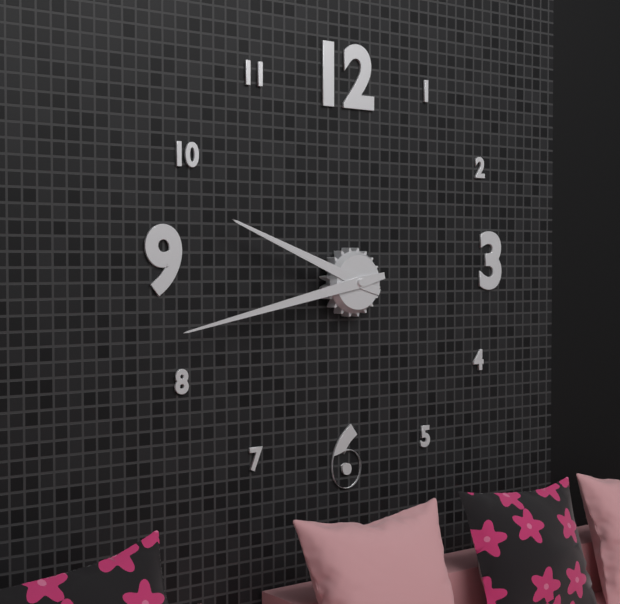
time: **9:43**
